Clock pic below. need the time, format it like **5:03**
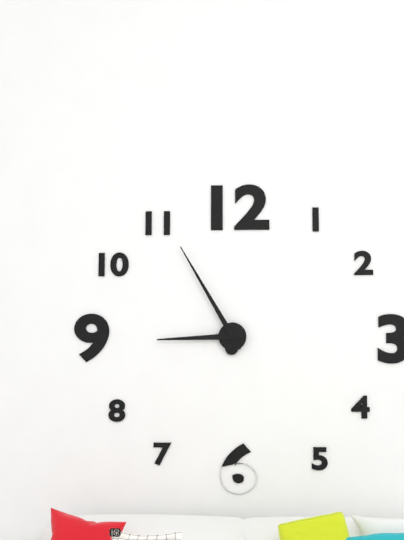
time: **8:55**
